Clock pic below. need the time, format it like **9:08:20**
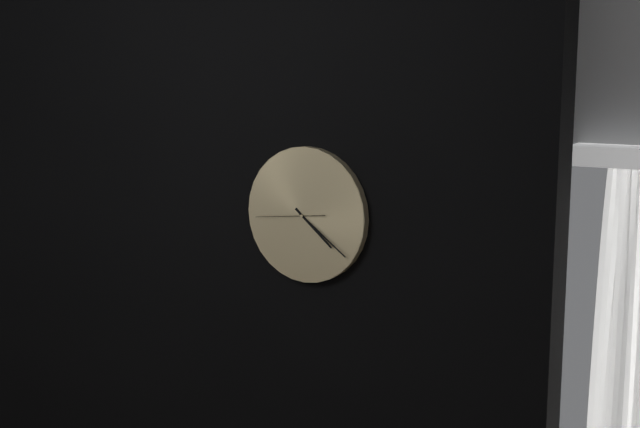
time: **4:21:44**
